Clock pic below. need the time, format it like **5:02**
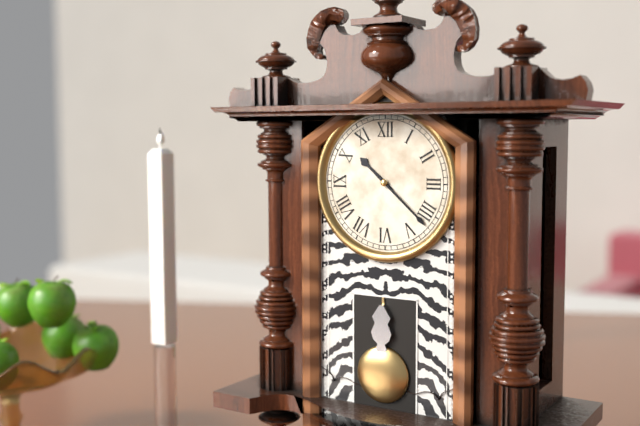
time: **10:22**
